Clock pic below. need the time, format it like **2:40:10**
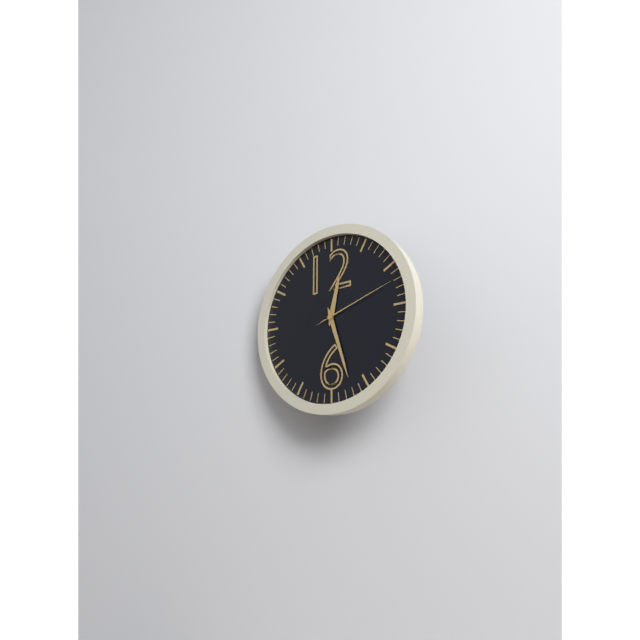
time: **12:27:12**
